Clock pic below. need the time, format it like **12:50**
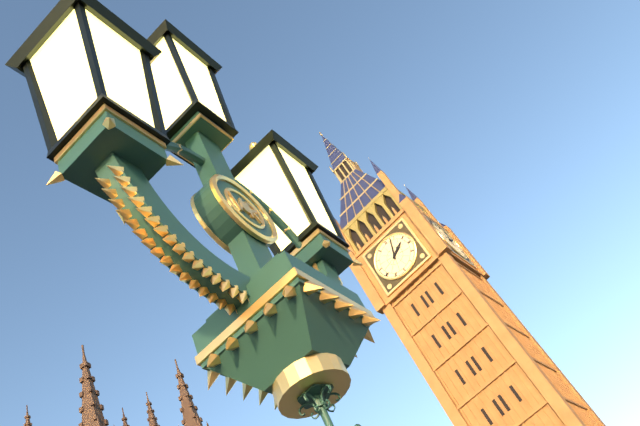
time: **2:03**
